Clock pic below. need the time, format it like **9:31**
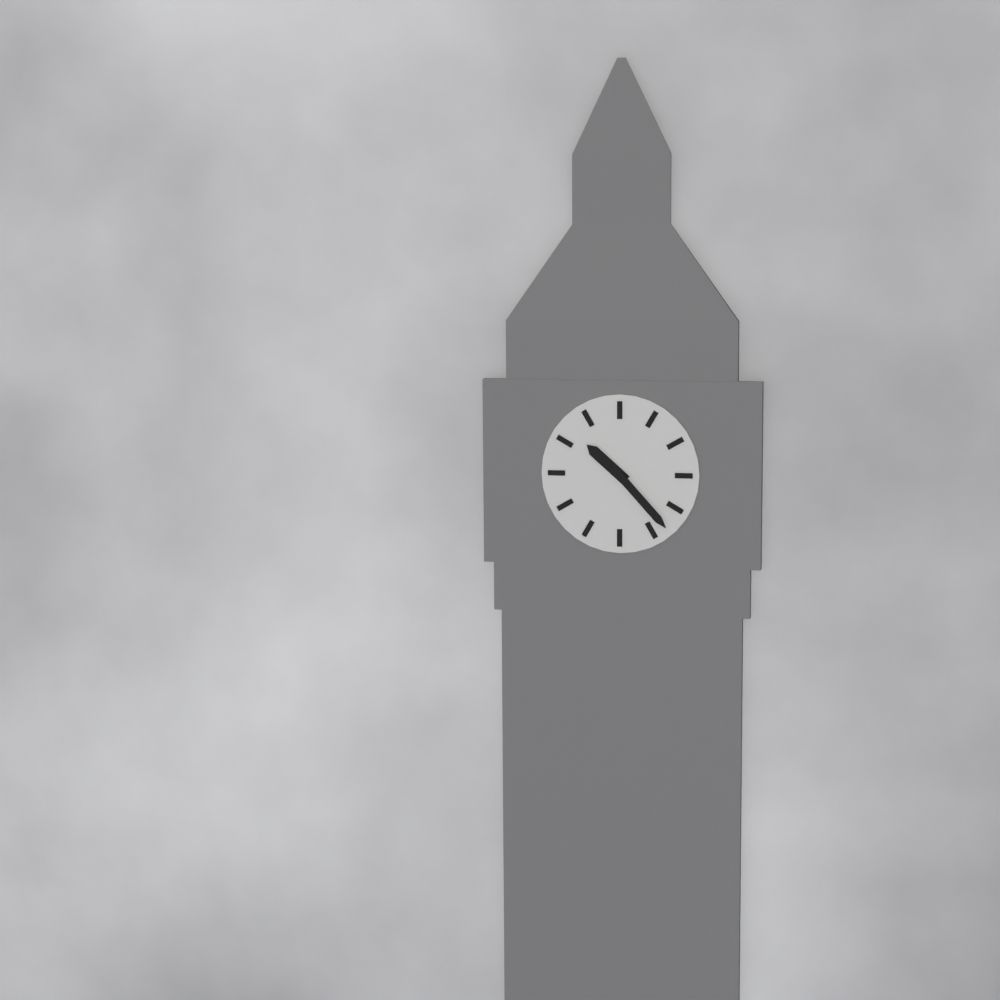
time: **10:23**
